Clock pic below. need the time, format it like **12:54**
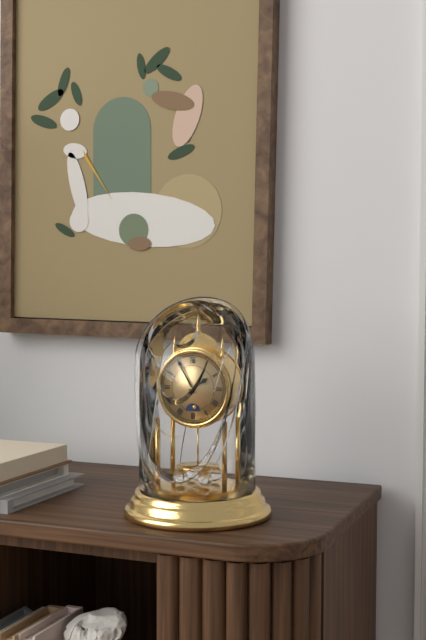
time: **1:55**
